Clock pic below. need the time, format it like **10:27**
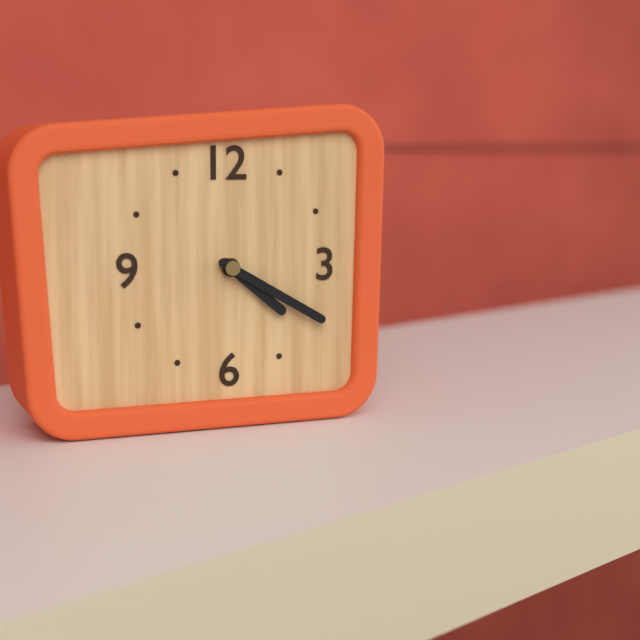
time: **4:20**
